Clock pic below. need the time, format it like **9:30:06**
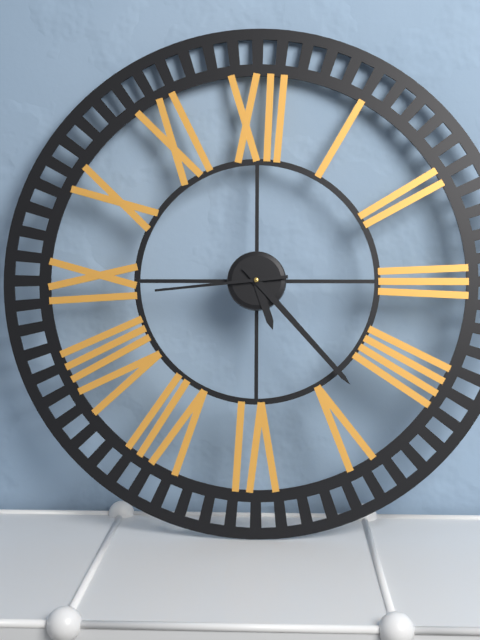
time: **5:23:44**
